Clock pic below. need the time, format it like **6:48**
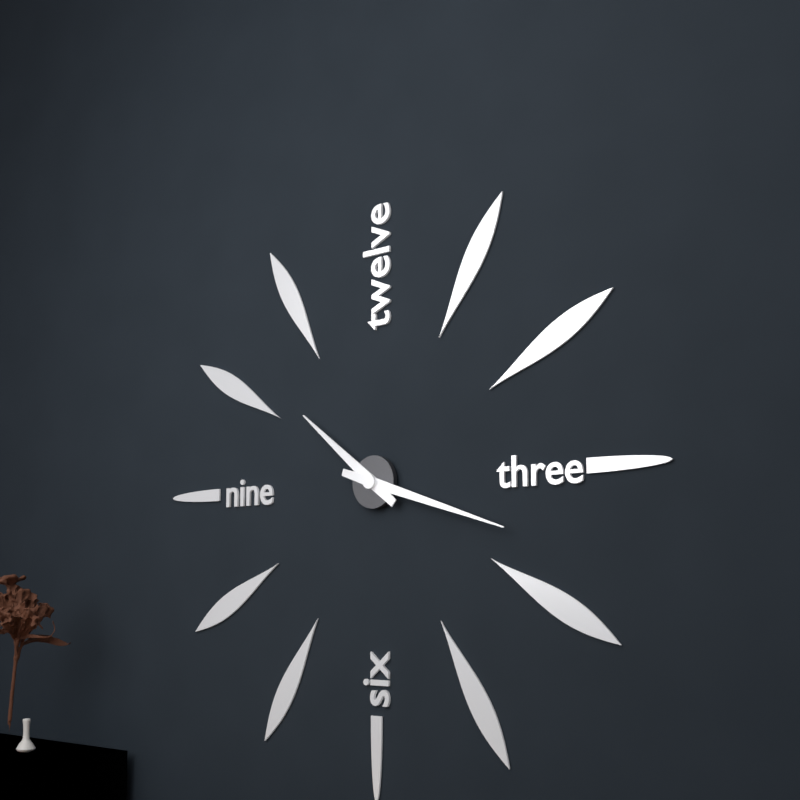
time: **10:18**
